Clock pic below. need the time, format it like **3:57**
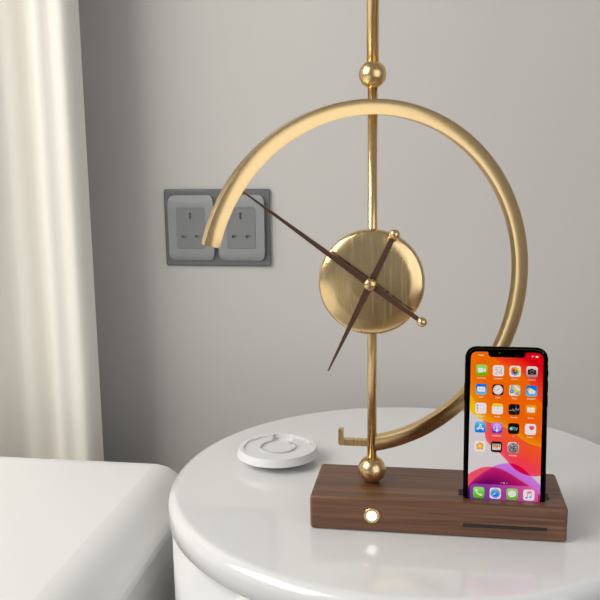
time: **6:51**
